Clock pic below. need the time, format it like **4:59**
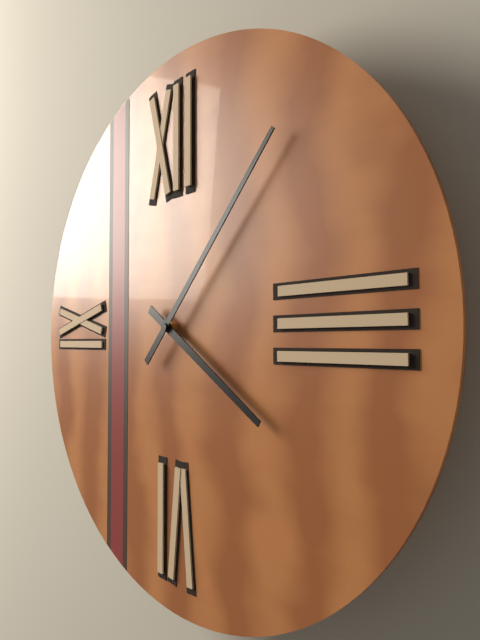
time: **4:07**
